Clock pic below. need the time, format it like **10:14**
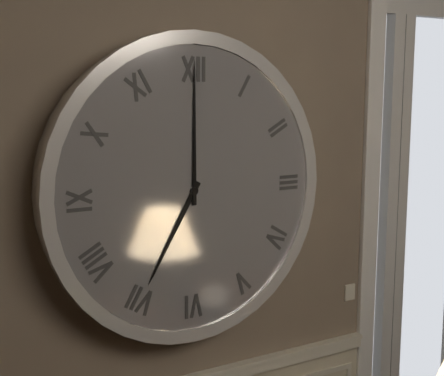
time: **7:00**
